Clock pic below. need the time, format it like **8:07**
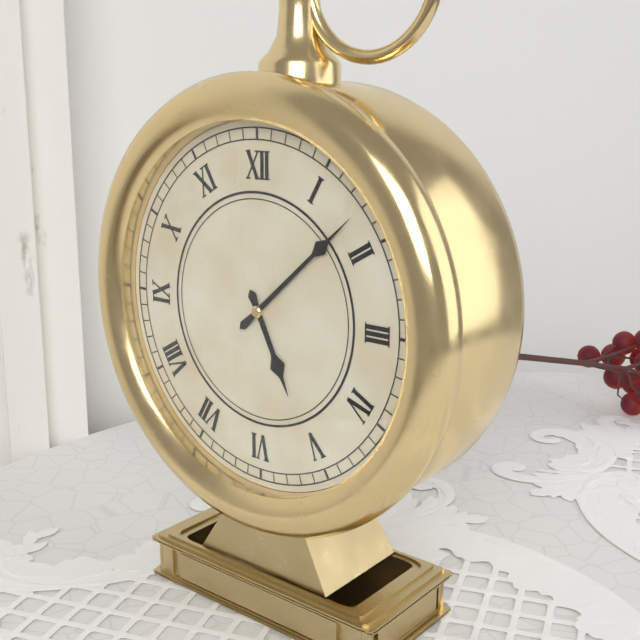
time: **5:08**
